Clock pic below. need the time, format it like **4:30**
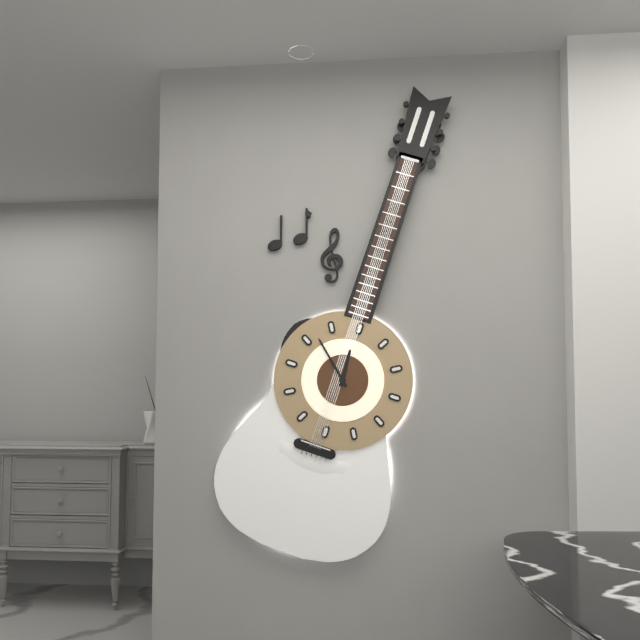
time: **11:52**
